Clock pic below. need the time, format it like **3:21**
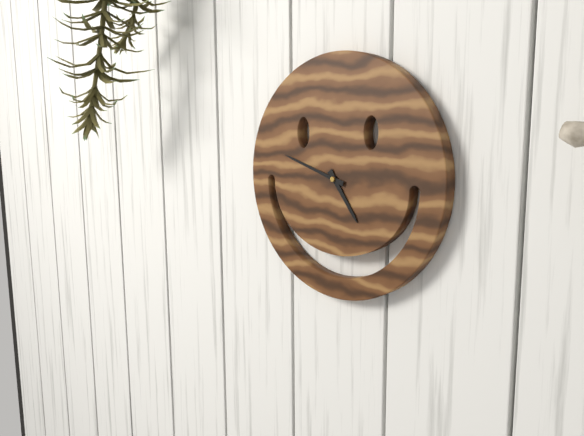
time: **4:48**
